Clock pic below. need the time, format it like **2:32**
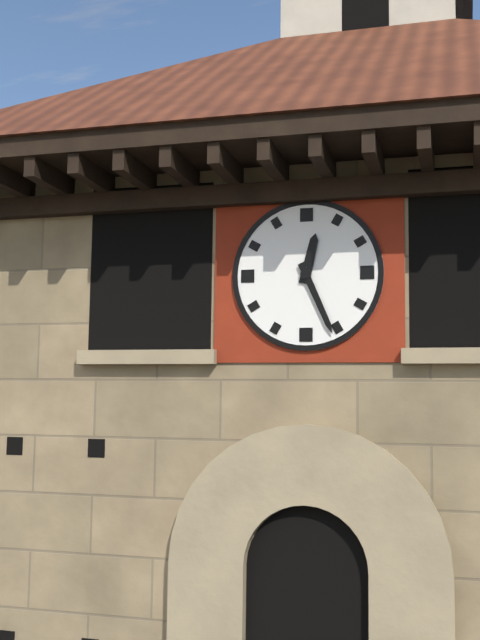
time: **12:26**
